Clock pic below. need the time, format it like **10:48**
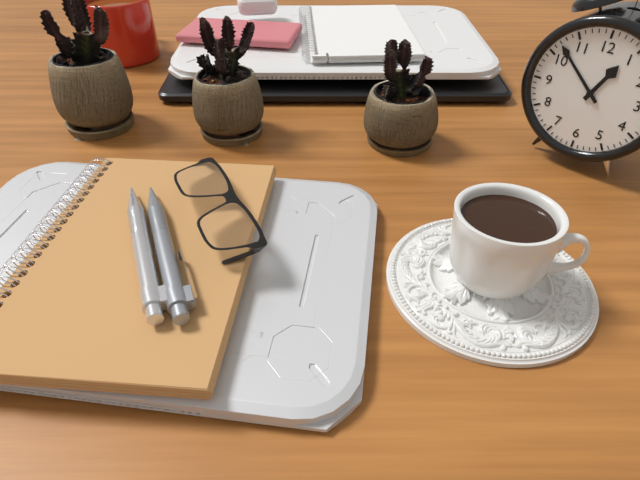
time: **12:52**
